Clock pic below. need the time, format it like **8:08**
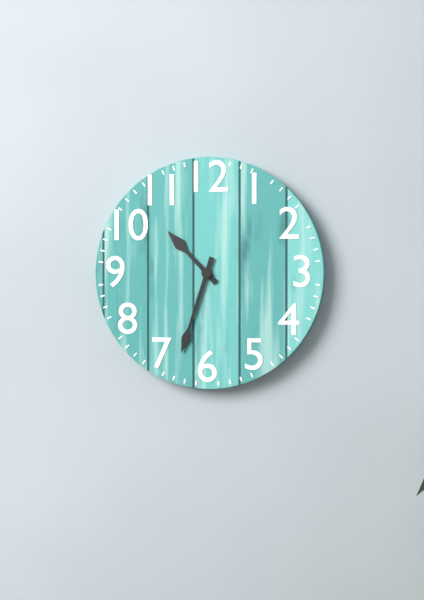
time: **10:33**
